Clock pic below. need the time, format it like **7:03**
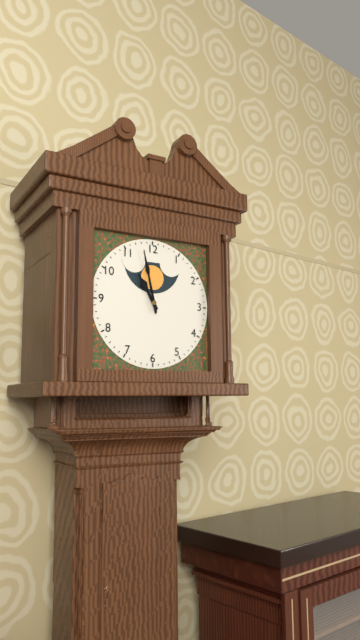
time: **10:58**
